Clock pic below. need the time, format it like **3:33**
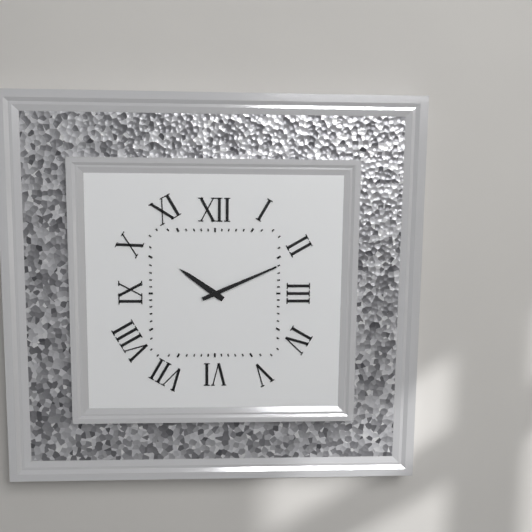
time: **10:11**
